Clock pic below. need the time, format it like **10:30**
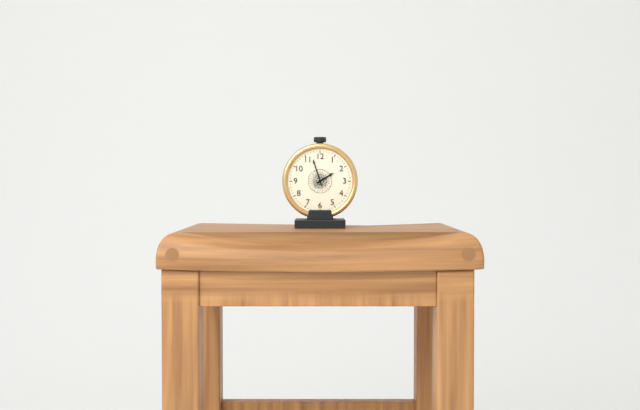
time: **1:57**
